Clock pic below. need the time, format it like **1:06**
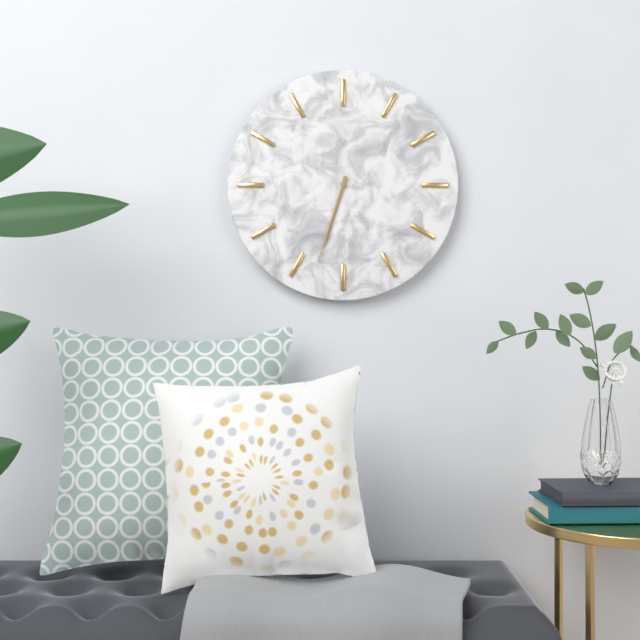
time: **6:33**
